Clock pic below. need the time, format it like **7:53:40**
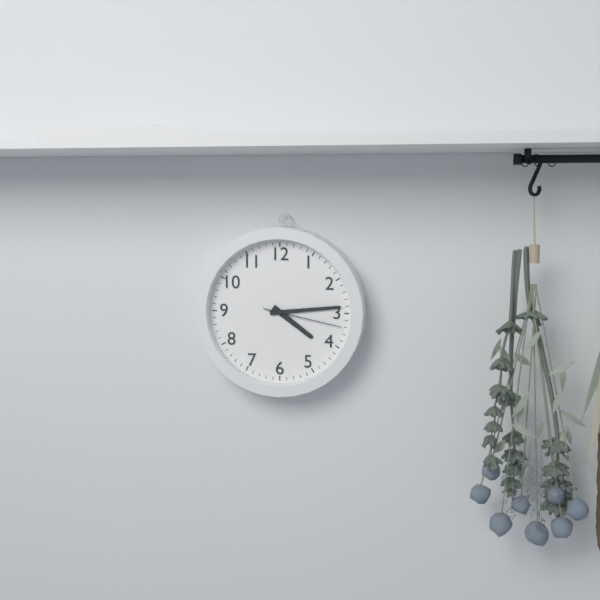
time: **4:14:17**
